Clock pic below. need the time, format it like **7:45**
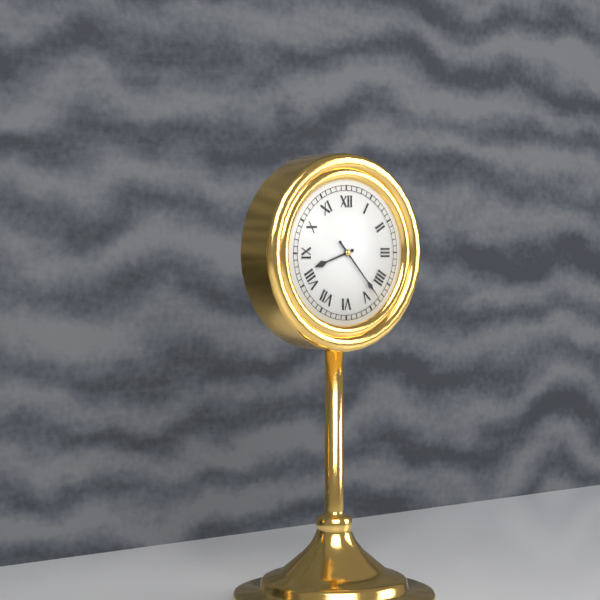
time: **8:23**
